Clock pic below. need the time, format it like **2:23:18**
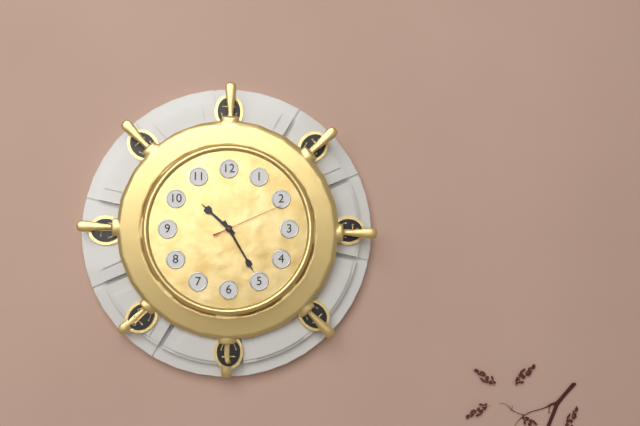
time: **10:25:11**
